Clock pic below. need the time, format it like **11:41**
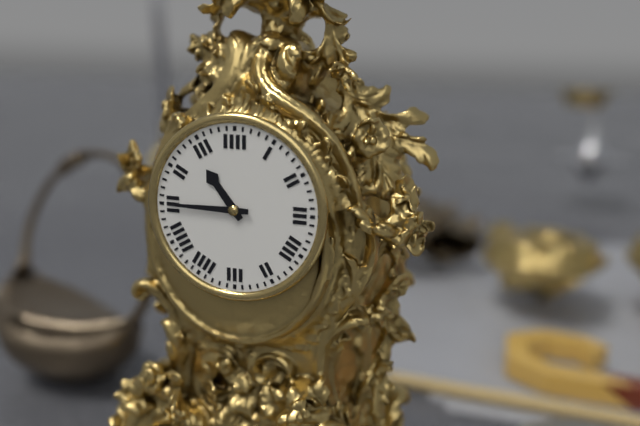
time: **10:45**
